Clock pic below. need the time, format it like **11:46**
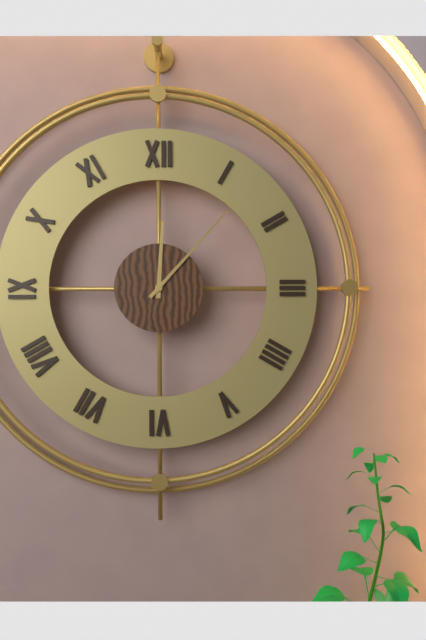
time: **12:07**
